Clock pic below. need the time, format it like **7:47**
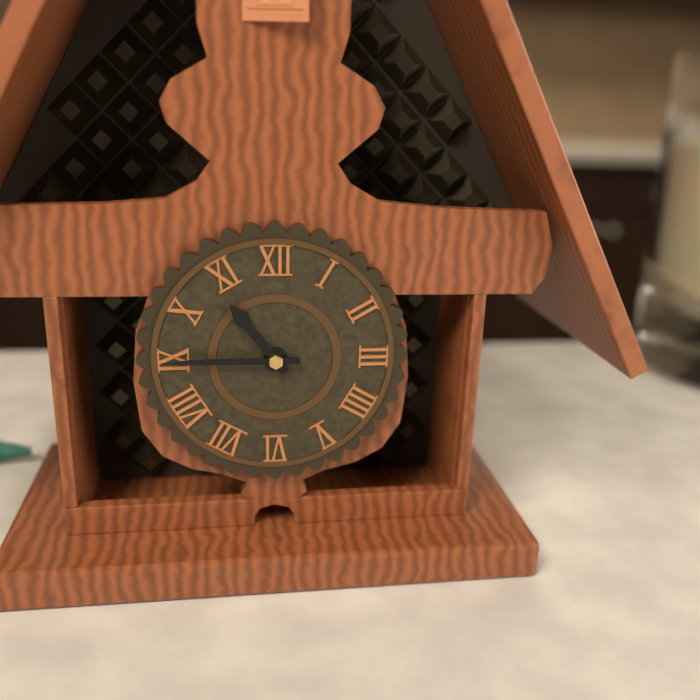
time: **10:45**
